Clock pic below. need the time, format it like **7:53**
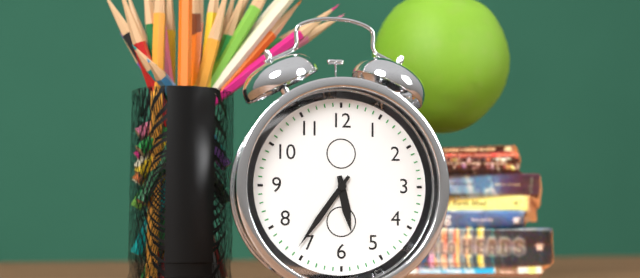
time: **5:36**
